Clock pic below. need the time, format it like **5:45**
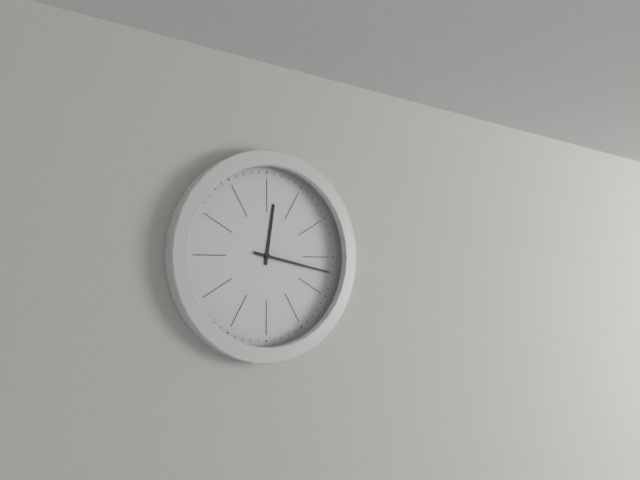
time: **12:17**
